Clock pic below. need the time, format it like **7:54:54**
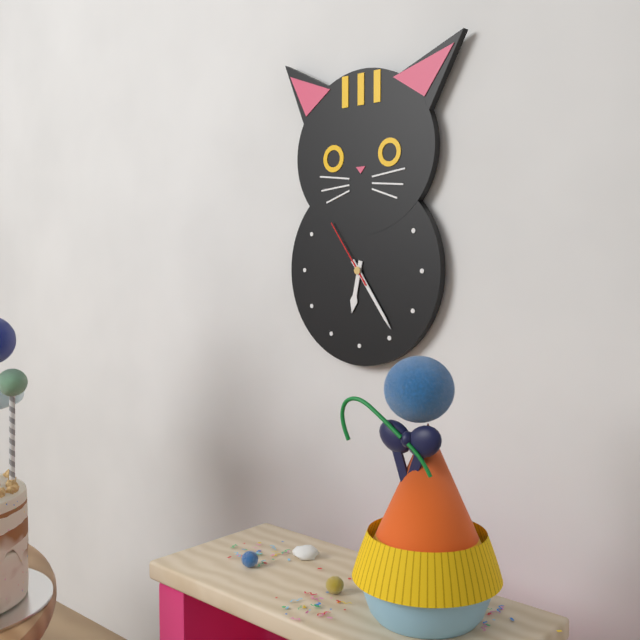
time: **6:24:54**
